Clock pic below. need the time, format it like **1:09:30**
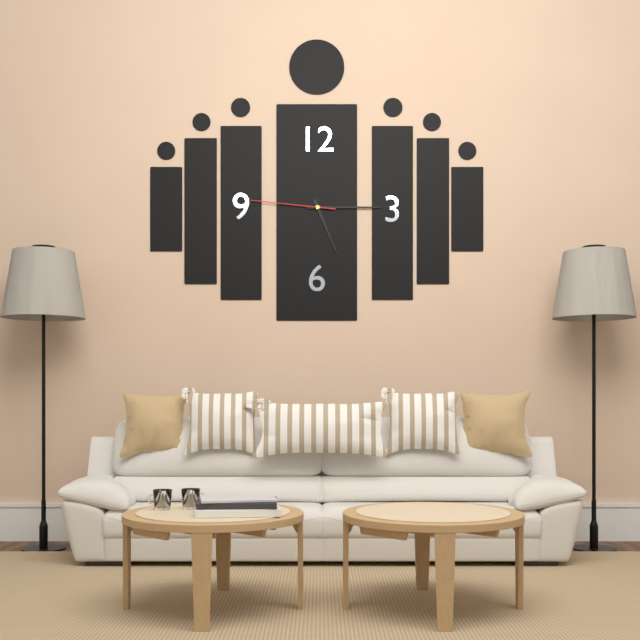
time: **5:15:46**
